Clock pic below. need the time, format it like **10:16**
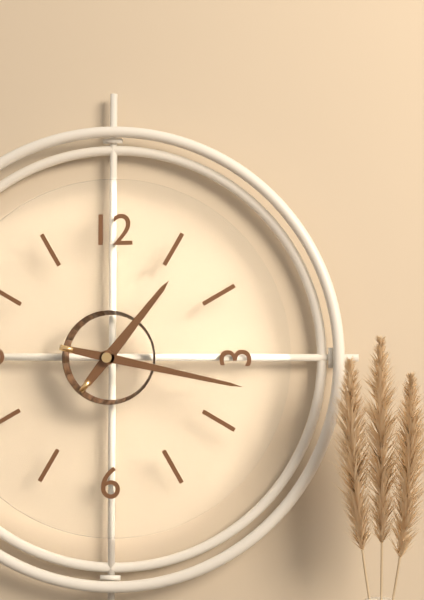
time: **1:17**
